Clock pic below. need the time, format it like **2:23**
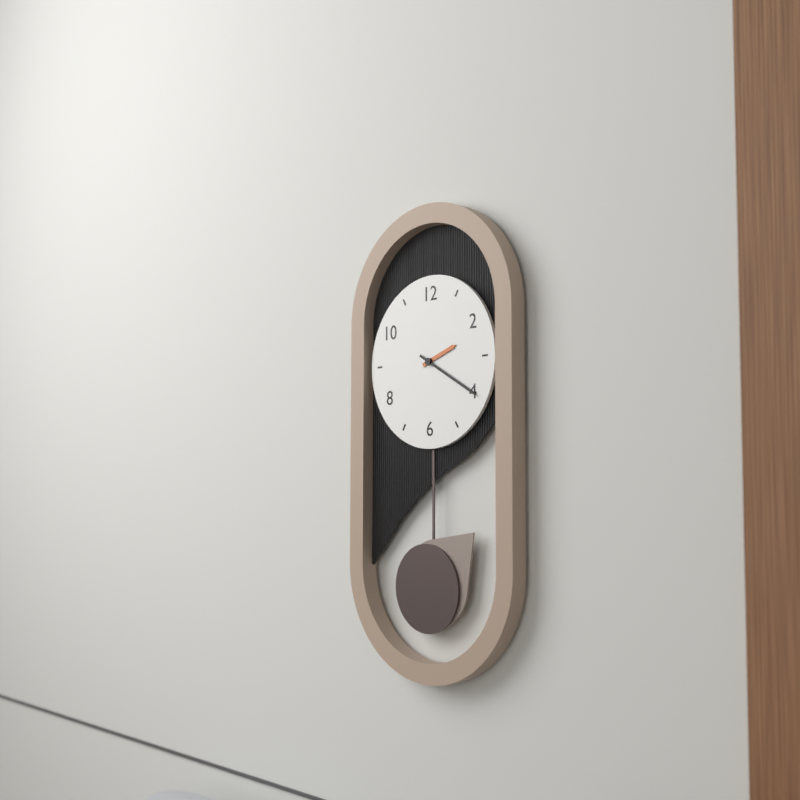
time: **2:20**
